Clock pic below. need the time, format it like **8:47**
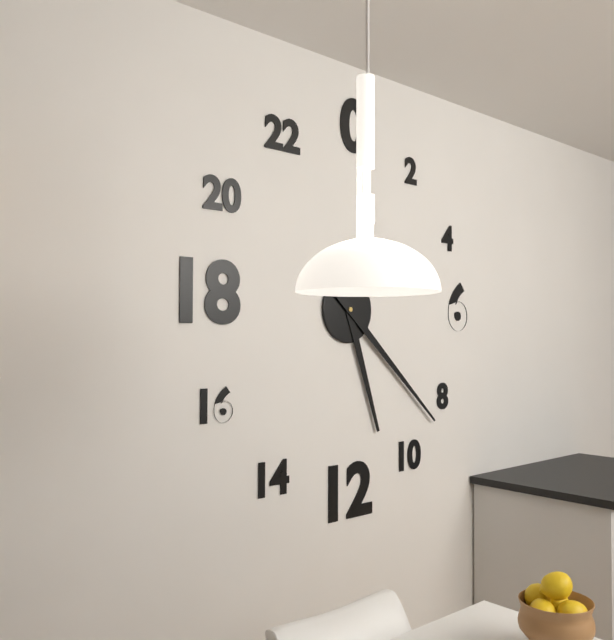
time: **5:22**
